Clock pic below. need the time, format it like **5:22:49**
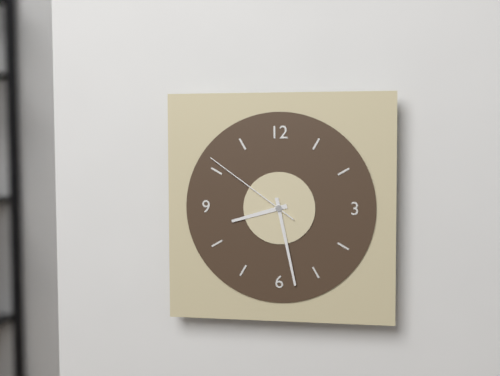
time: **8:28:51**
